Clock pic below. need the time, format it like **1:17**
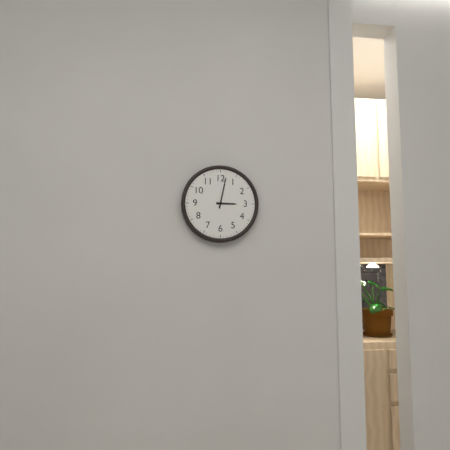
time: **3:02**
